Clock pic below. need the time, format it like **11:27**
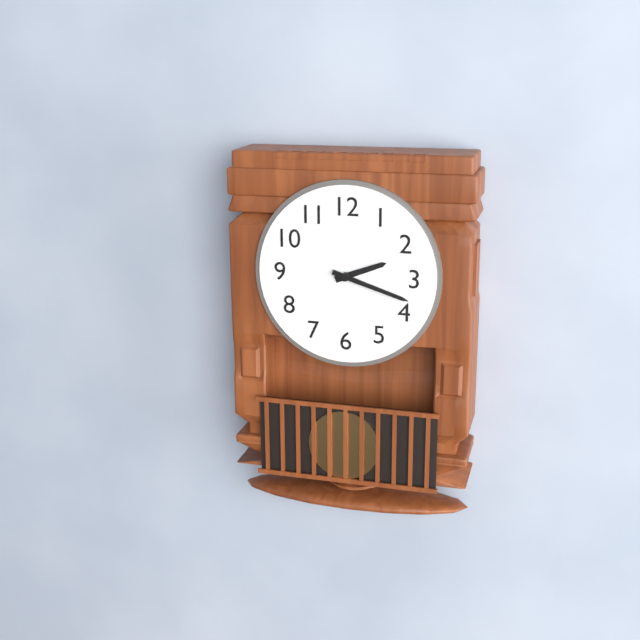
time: **2:18**
